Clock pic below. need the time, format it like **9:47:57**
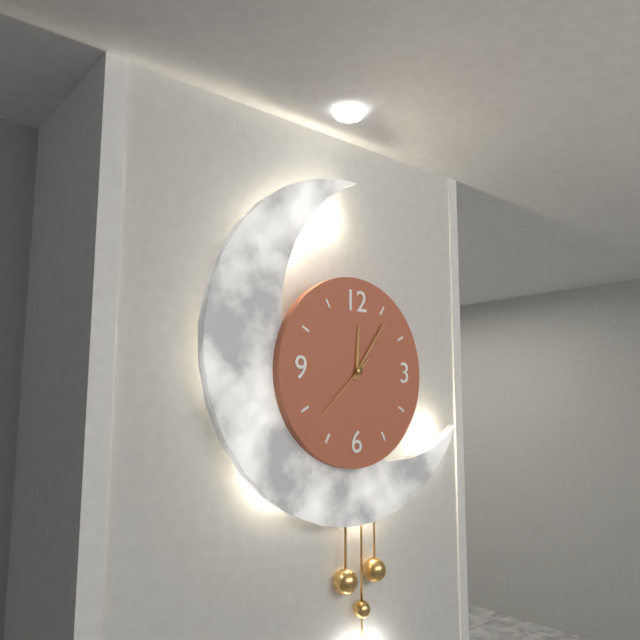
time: **12:06:38**
